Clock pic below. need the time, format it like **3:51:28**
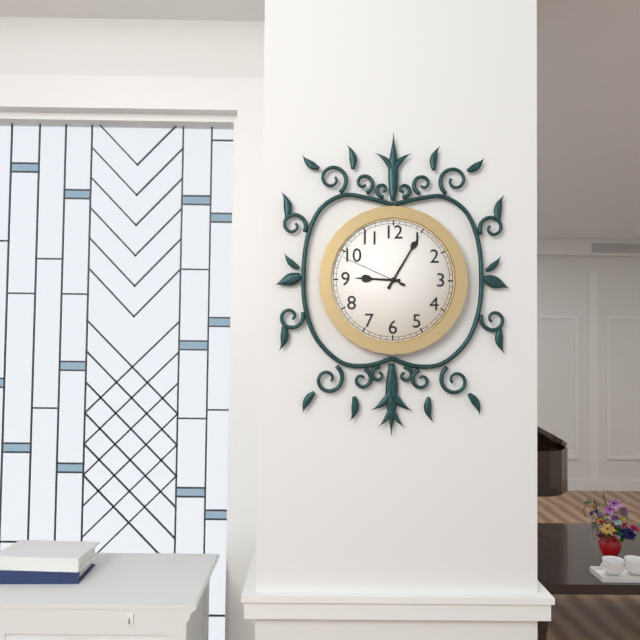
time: **9:05:49**
